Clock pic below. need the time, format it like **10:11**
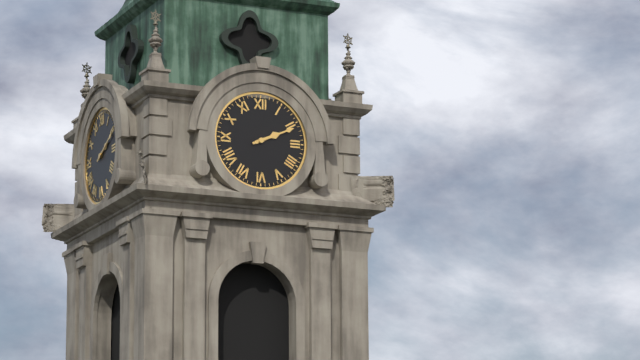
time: **2:11**
